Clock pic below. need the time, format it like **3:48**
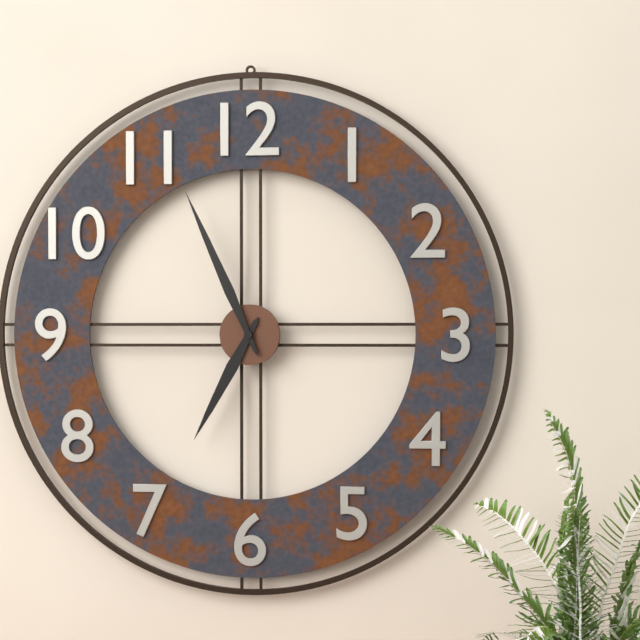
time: **6:56**
